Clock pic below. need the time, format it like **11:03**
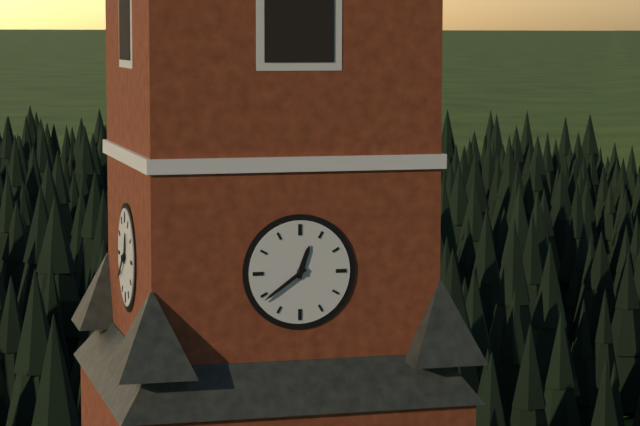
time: **12:39**
